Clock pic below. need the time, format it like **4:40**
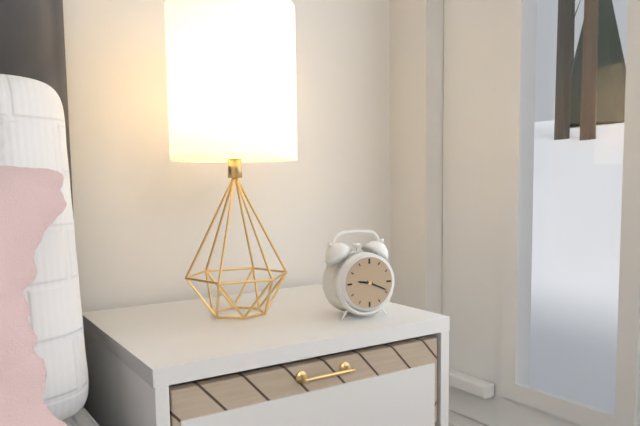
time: **9:19**
